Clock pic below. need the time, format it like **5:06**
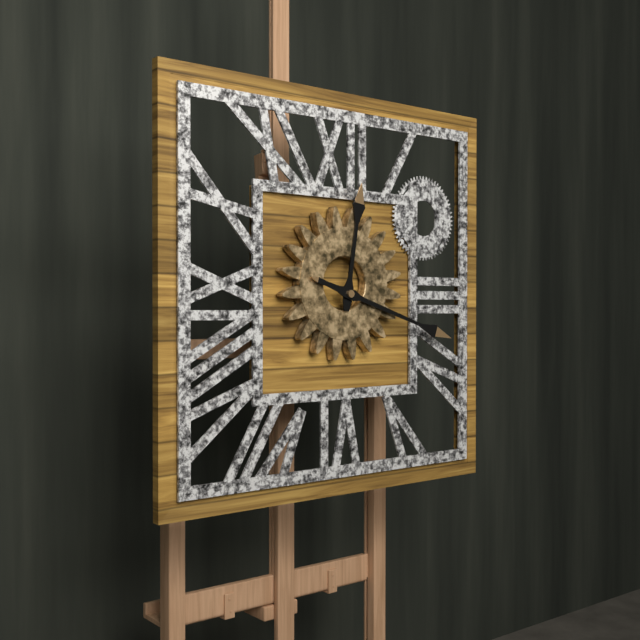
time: **12:18**
